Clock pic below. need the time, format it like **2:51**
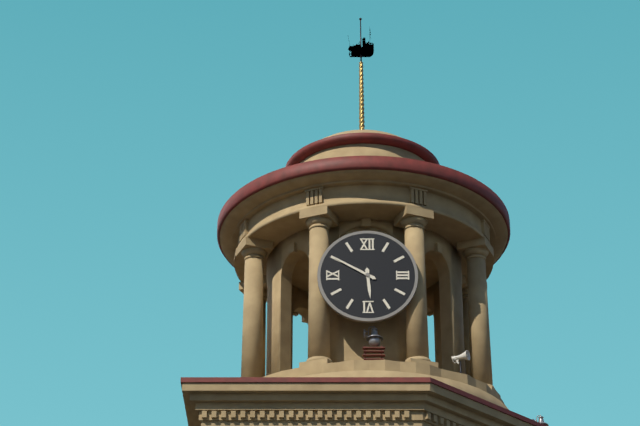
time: **5:50**
